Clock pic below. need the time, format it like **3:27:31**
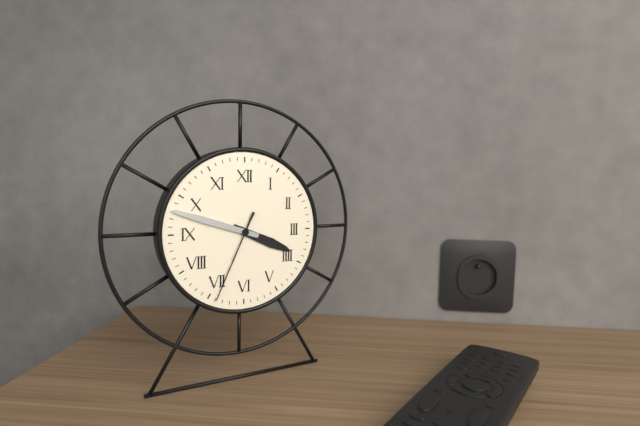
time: **3:48:34**
